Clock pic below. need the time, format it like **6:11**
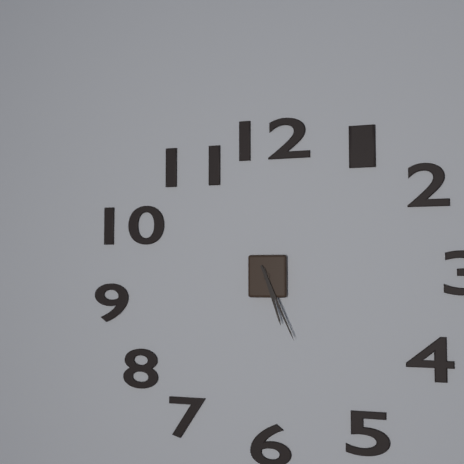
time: **5:26**
